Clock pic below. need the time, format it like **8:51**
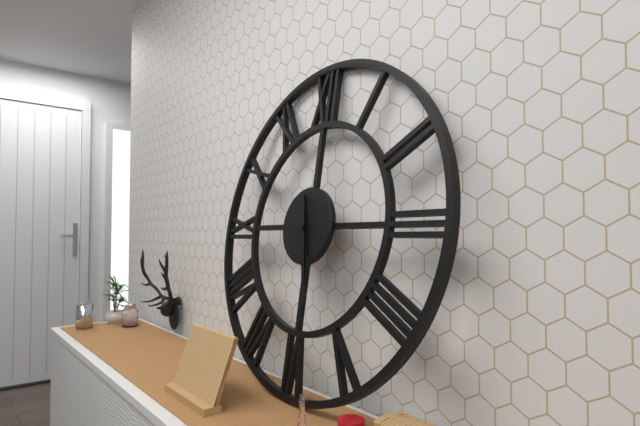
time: **5:28**
